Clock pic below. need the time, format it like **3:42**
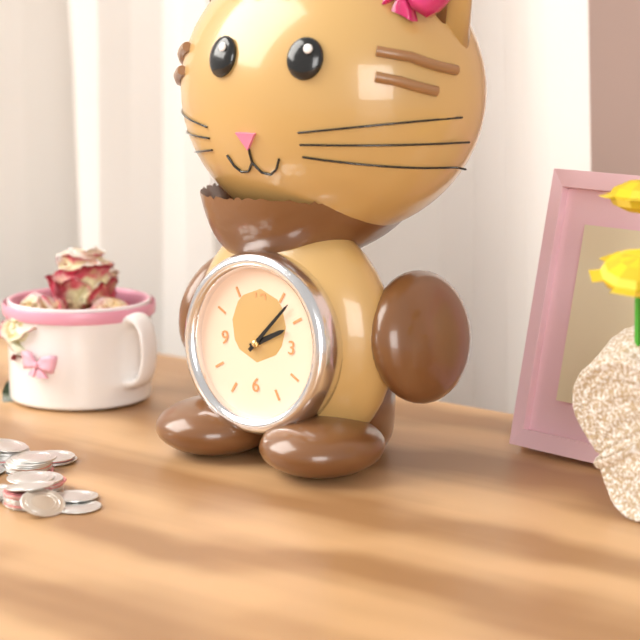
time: **2:07**
